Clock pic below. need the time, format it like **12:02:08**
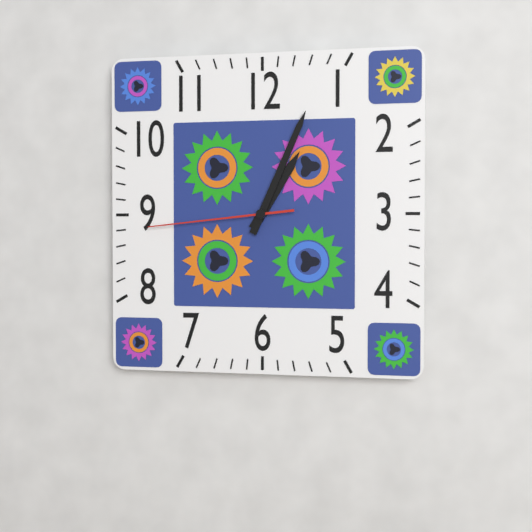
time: **1:04:44**
